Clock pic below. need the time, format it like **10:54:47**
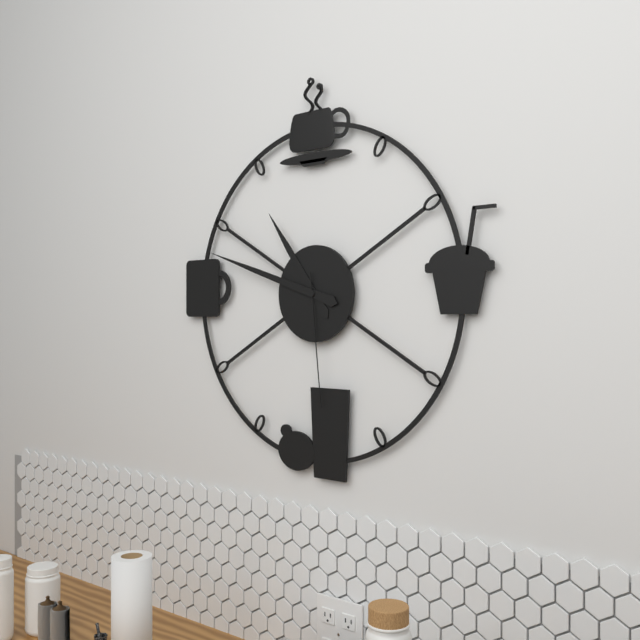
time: **10:48:29**
